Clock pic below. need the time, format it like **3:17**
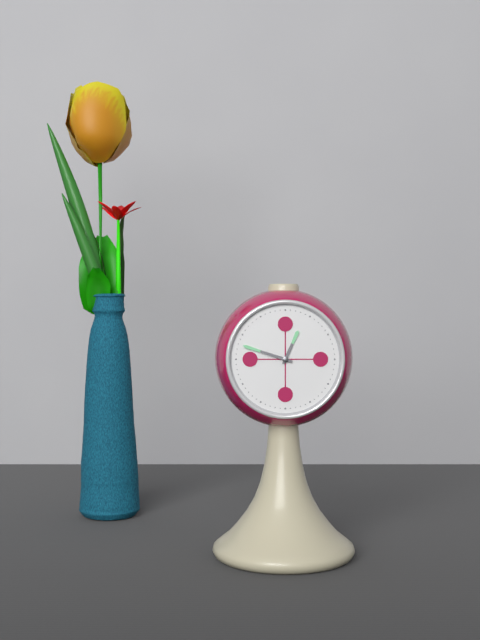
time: **12:48**
